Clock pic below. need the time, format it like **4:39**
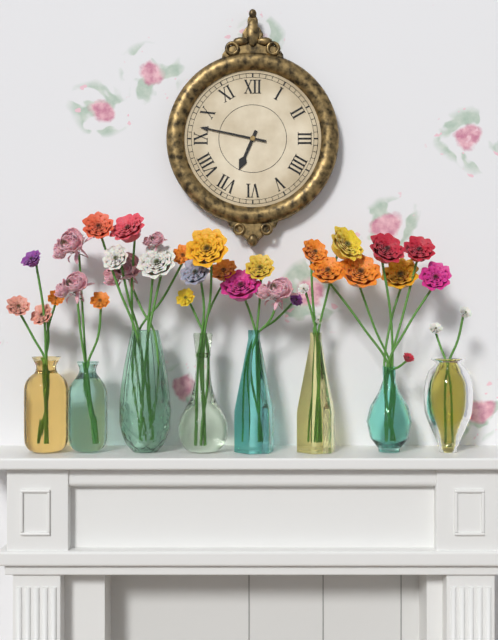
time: **6:47**
